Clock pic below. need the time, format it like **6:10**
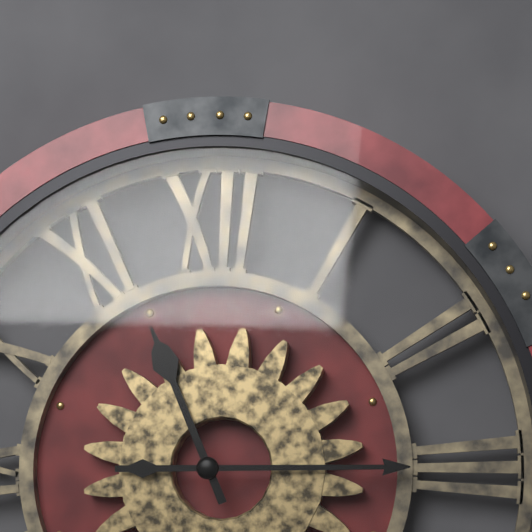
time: **11:15**
